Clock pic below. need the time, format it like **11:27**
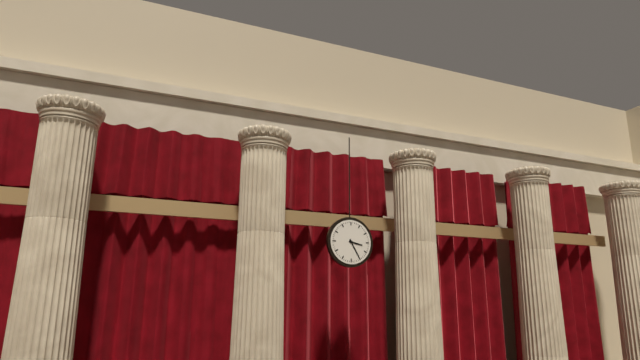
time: **3:25**
